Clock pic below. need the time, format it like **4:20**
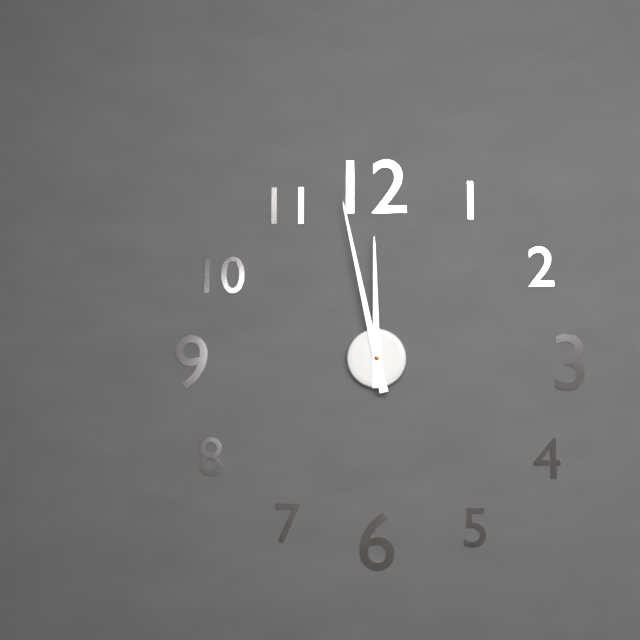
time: **11:58**
